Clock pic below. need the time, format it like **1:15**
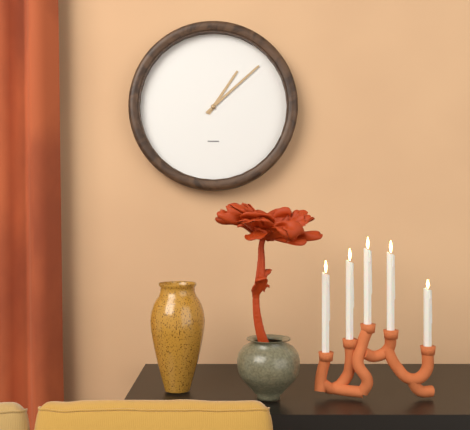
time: **1:08**
